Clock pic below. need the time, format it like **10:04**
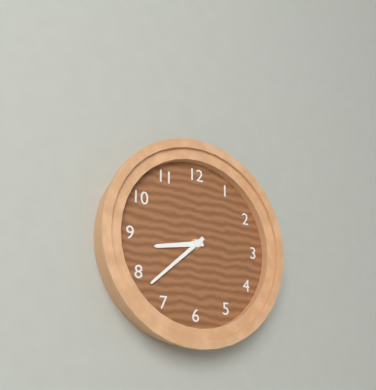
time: **8:38**
